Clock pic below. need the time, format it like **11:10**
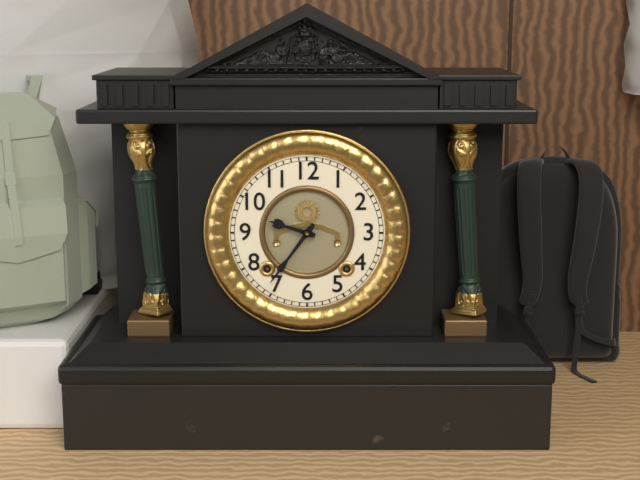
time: **9:36**
